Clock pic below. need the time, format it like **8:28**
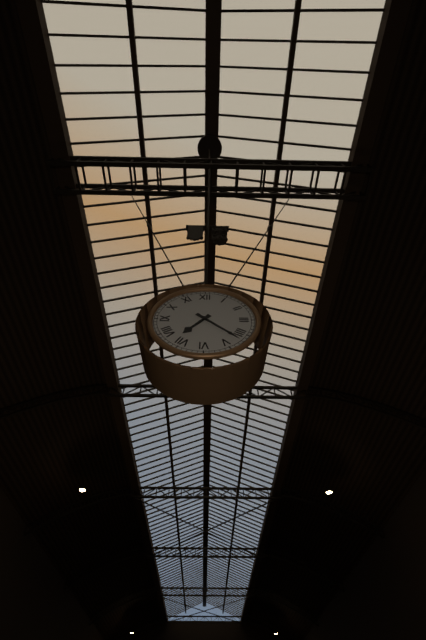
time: **7:22**
